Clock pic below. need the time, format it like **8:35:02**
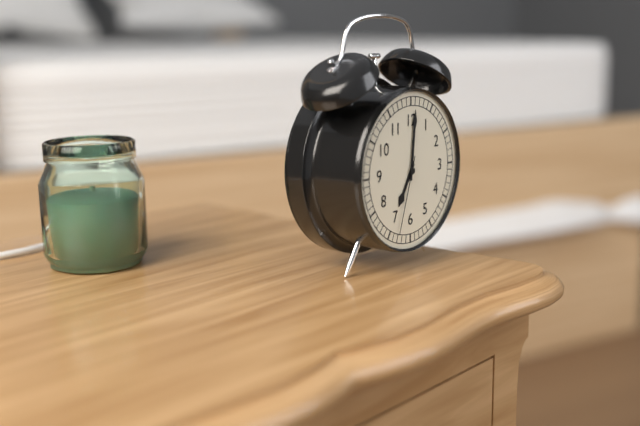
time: **7:01:33**
